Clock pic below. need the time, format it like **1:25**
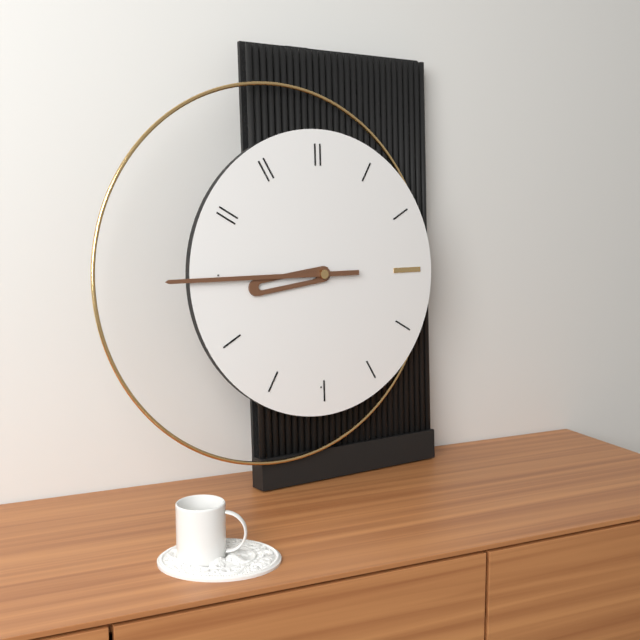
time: **8:45**
